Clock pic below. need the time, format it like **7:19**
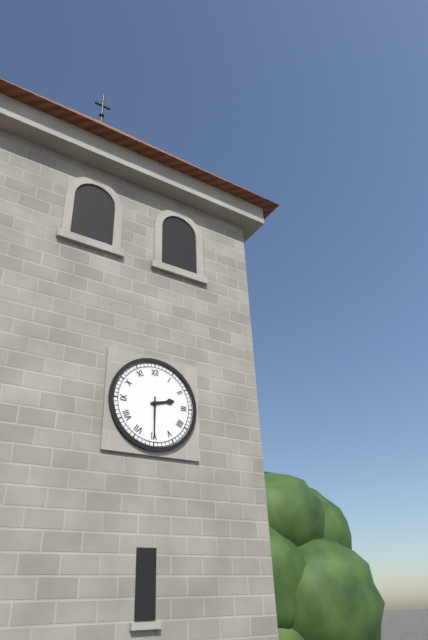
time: **2:30**
